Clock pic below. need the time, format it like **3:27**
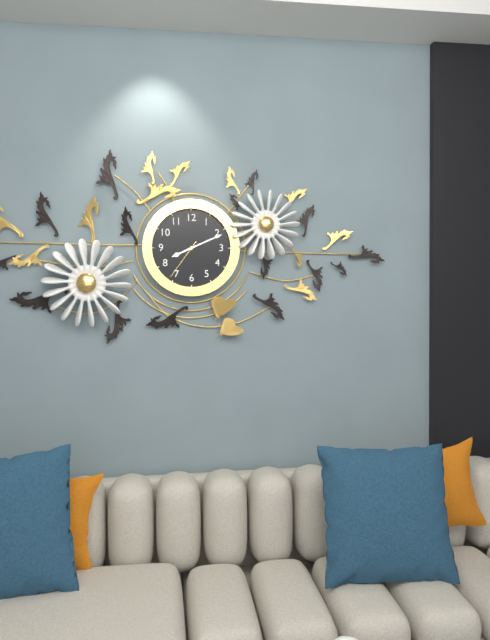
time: **8:11**
